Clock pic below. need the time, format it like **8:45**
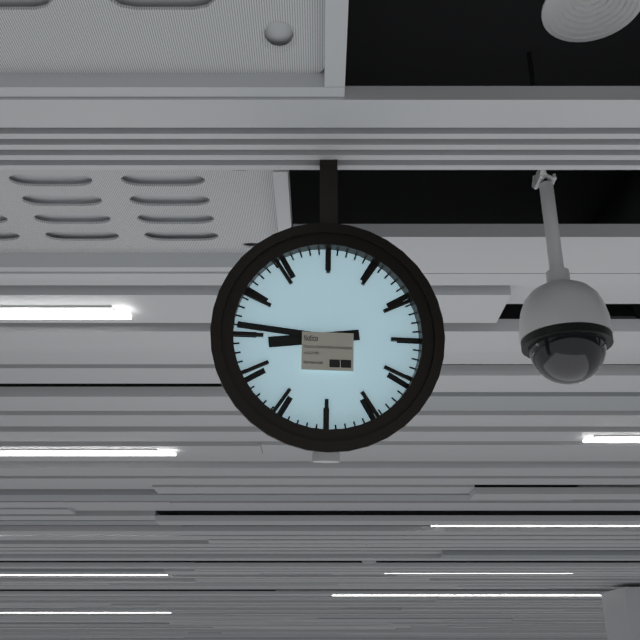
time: **8:46**
